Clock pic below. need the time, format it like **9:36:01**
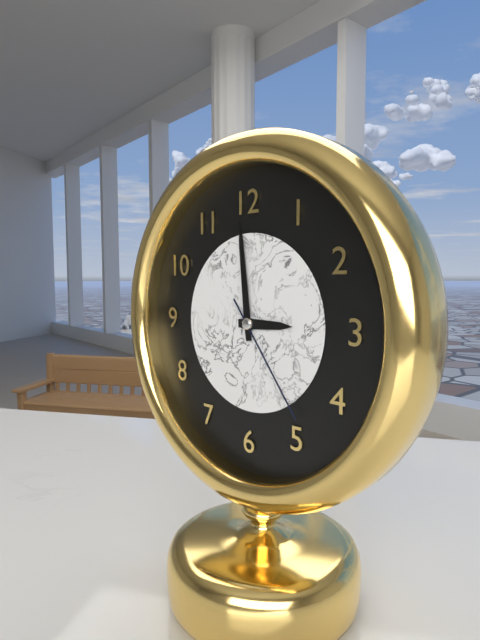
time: **2:59:24**
